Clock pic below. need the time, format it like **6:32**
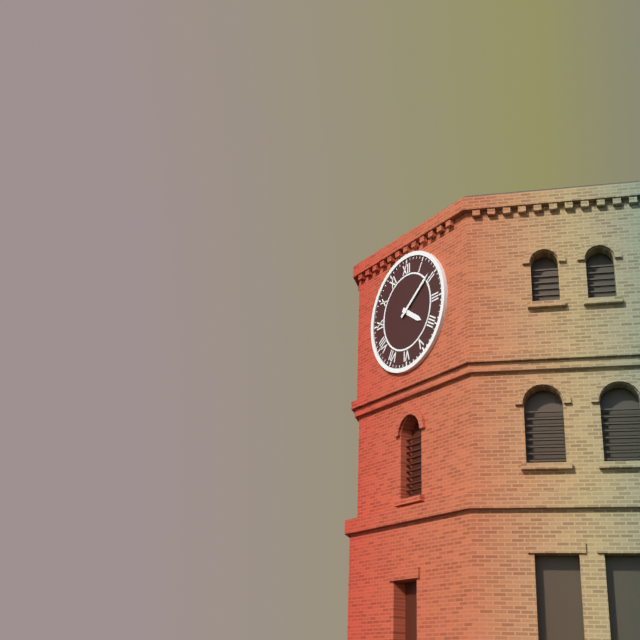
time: **4:09**
